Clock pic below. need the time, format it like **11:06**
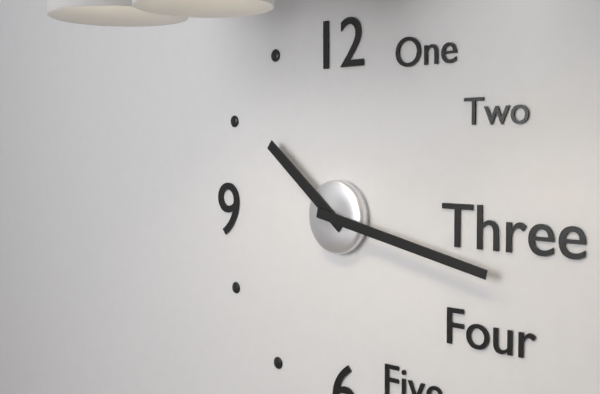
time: **10:17**
